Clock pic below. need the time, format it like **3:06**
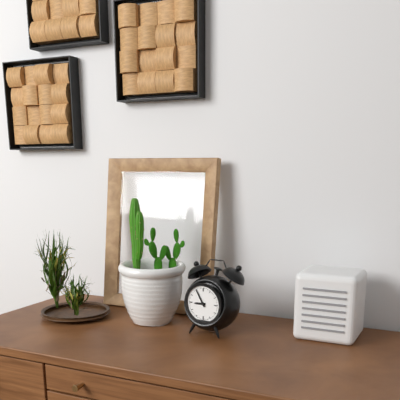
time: **8:55**
